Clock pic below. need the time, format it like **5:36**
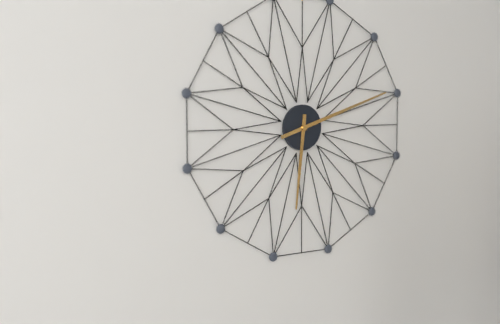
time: **6:12**
